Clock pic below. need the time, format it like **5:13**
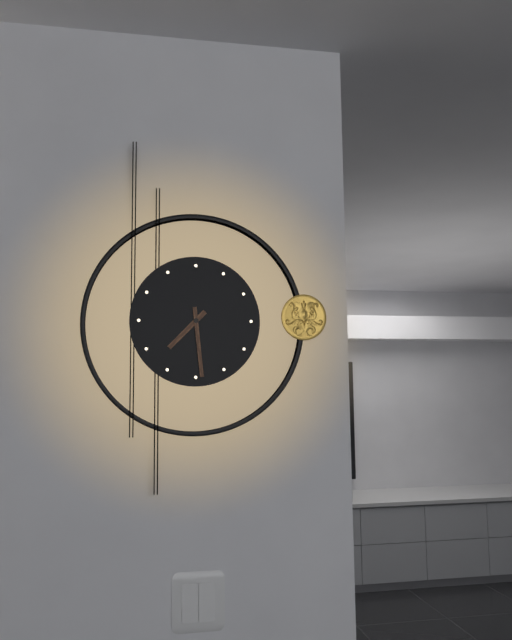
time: **7:29**
